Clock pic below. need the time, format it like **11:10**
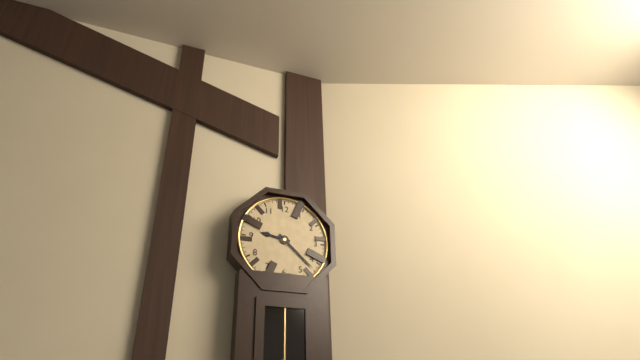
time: **9:22**
